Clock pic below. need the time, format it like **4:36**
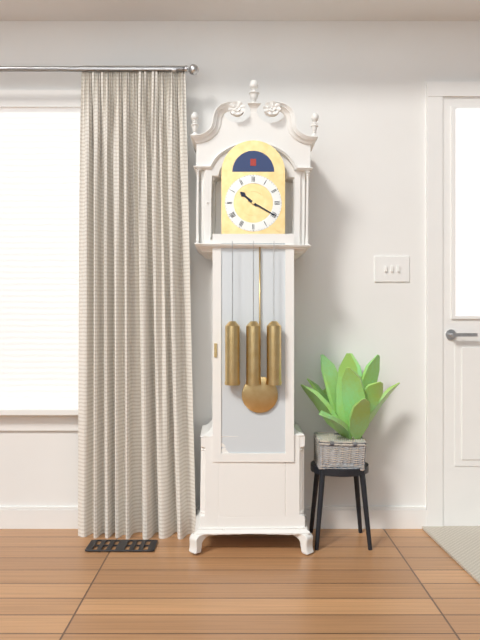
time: **10:20**
